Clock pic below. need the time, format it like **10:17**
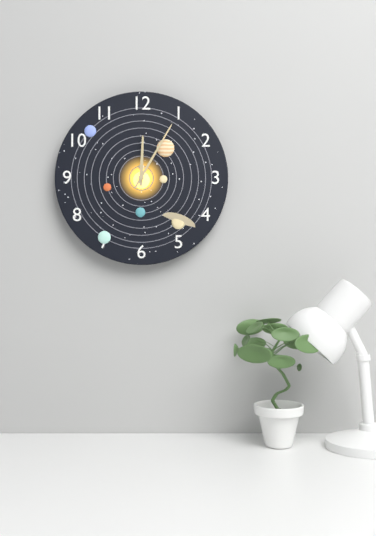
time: **12:05**
